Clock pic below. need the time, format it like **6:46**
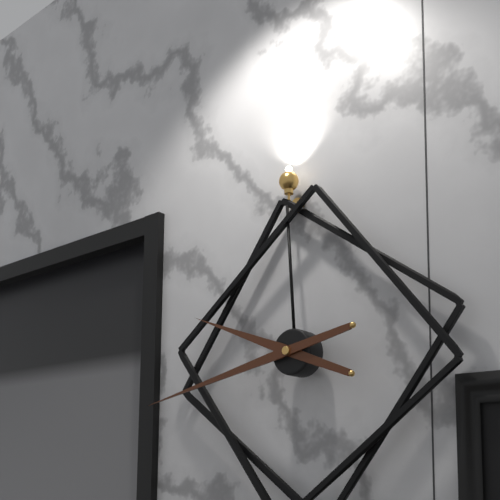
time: **9:43**
